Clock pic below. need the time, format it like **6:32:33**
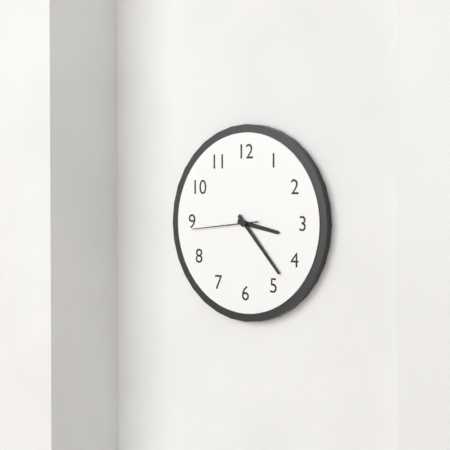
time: **3:23:44**
